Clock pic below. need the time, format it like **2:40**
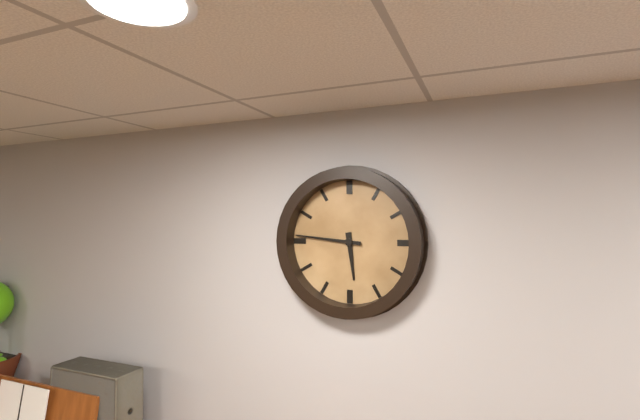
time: **5:46**
